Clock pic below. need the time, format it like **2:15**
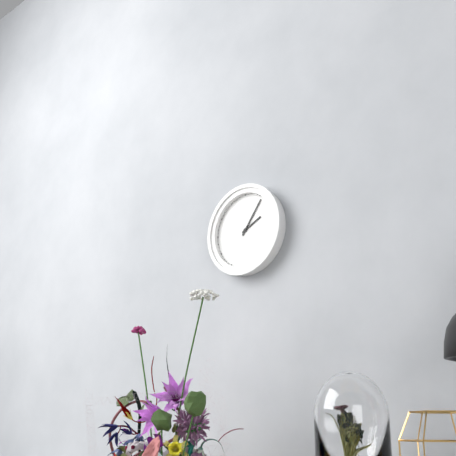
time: **2:06**
